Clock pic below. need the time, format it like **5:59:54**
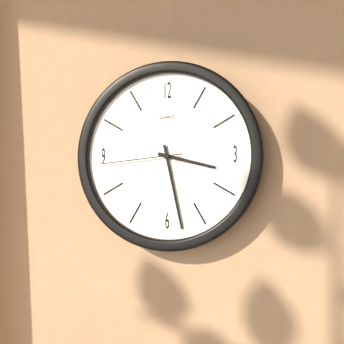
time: **3:28:44**
